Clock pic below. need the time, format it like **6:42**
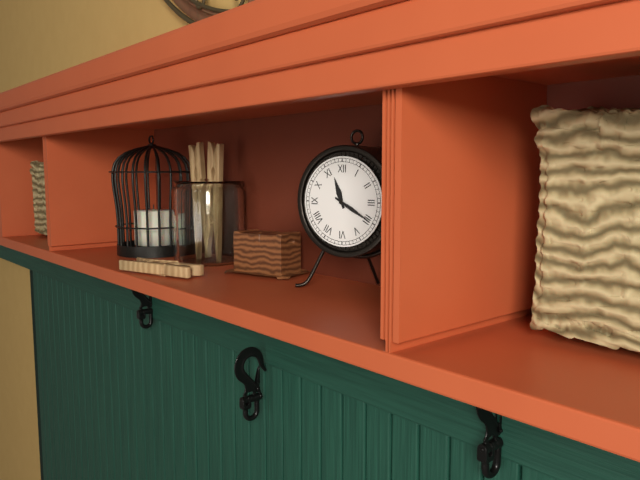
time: **11:20**
